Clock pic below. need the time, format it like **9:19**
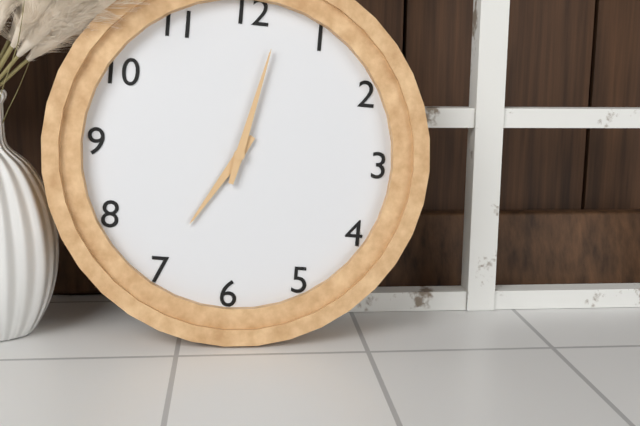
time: **7:02**
